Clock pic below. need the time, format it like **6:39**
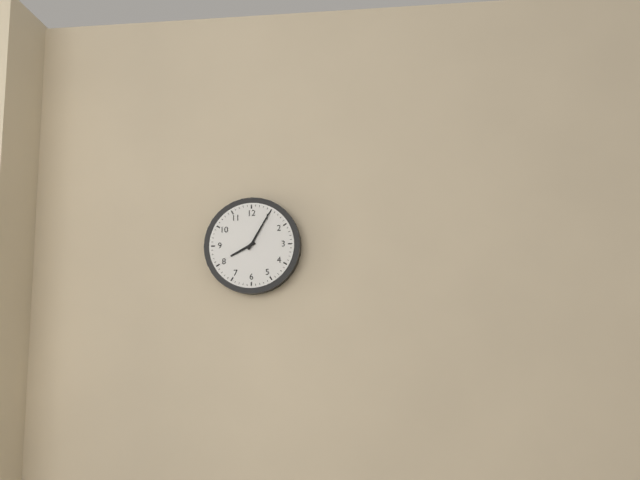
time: **8:05**
